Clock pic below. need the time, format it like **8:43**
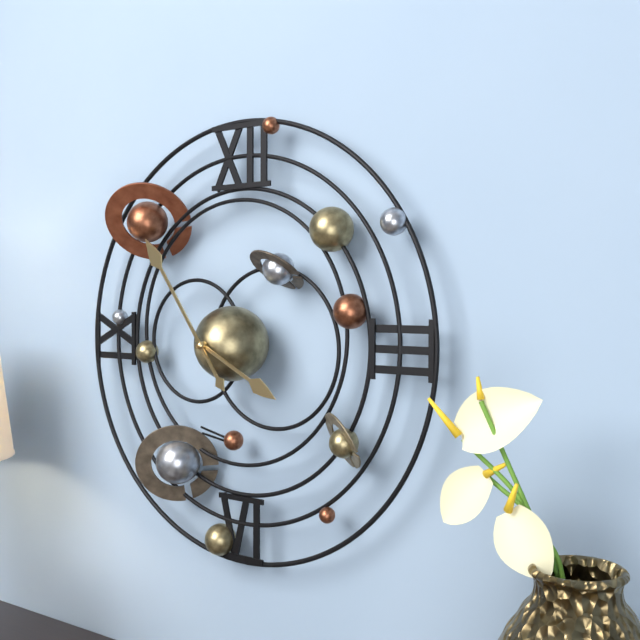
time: **3:54**
